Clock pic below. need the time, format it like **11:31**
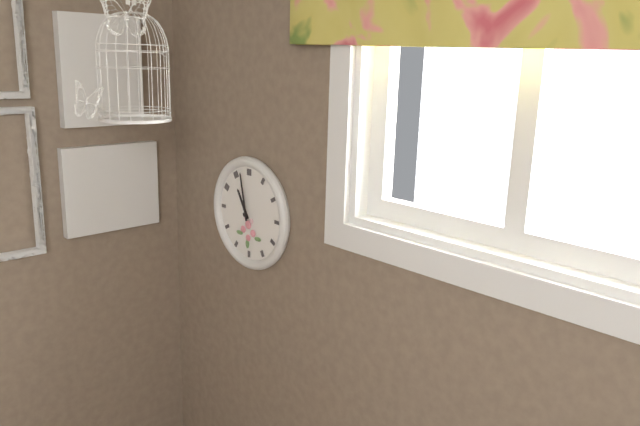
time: **10:58**
